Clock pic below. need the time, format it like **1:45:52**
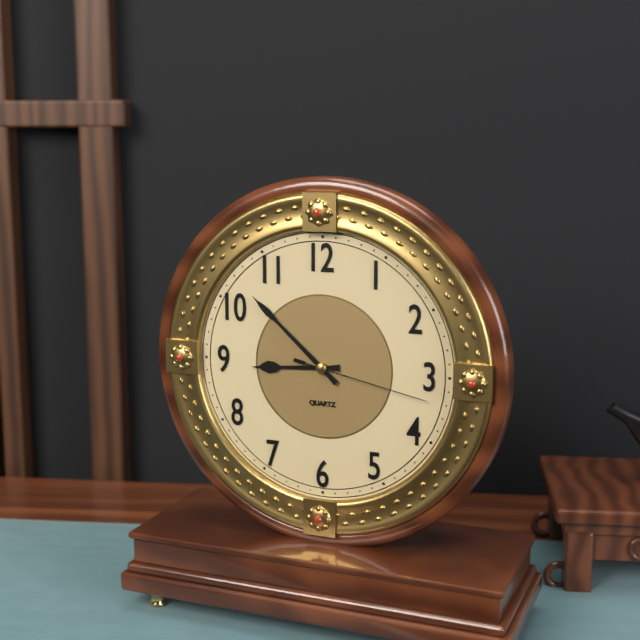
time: **8:52:17**
